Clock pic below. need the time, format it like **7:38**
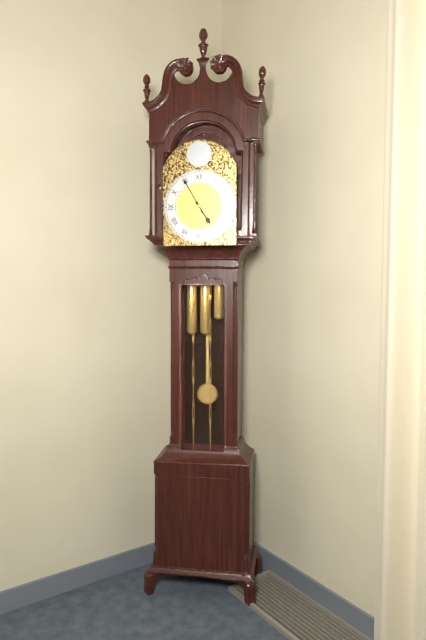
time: **4:55**
